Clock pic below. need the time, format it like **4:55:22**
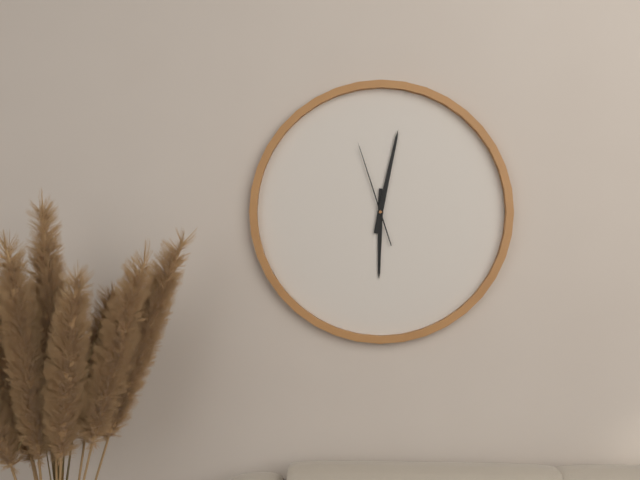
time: **6:02:57**
